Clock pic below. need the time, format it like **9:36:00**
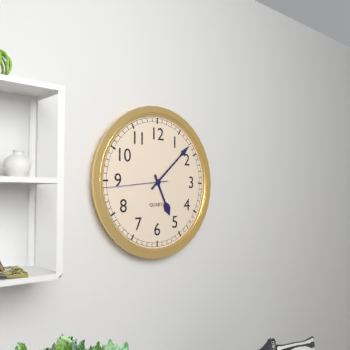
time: **5:08:44**
